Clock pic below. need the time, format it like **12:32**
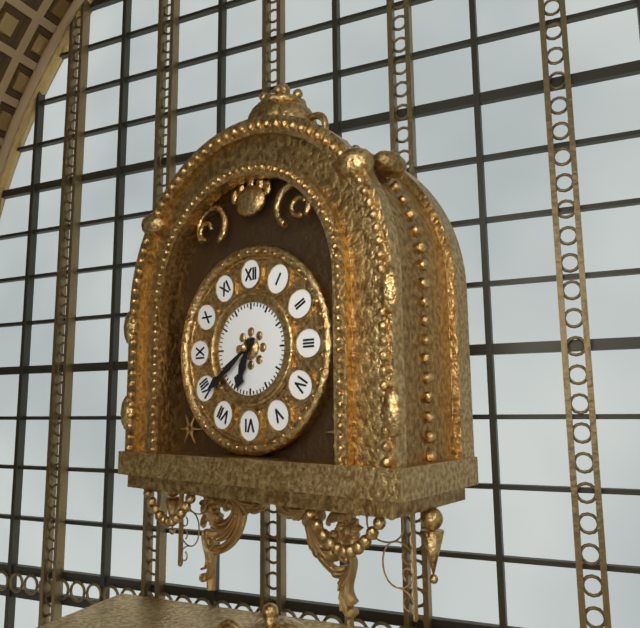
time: **6:39**
